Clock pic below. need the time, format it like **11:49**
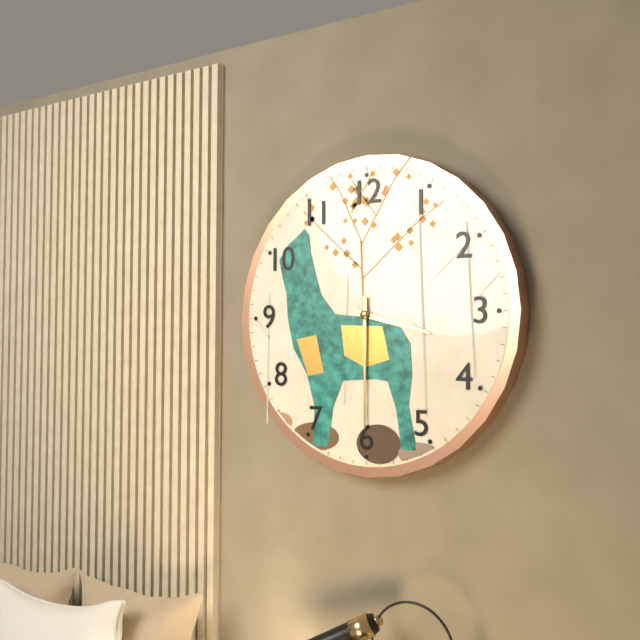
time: **3:30**
